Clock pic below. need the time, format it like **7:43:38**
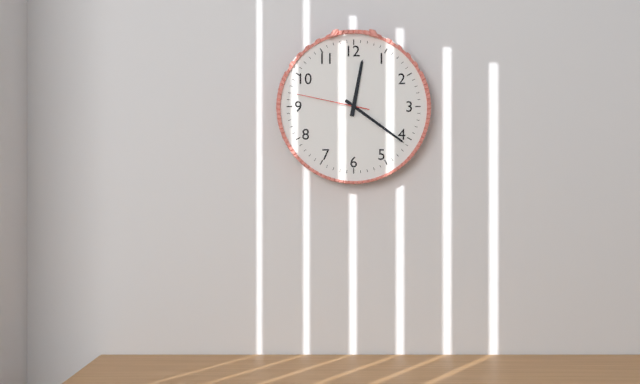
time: **12:21:47**
